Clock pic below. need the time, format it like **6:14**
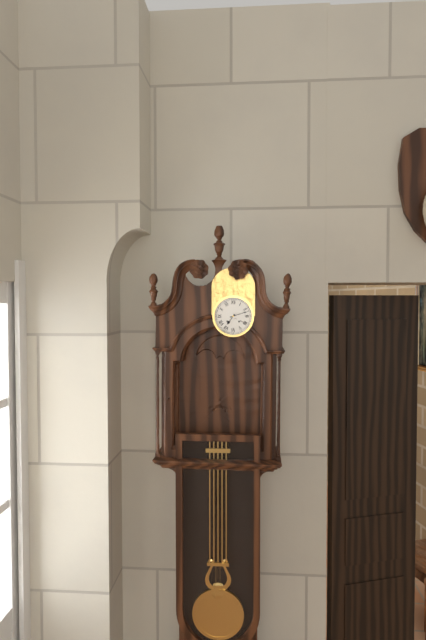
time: **7:12**
